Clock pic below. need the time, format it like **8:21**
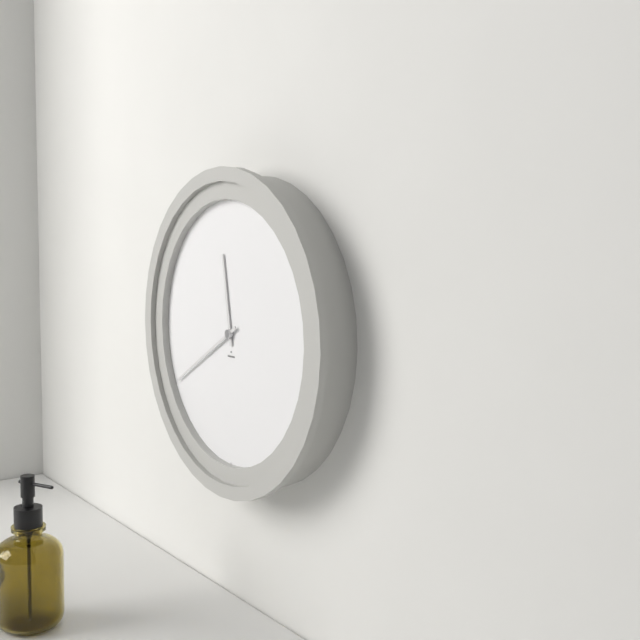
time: **11:40**
